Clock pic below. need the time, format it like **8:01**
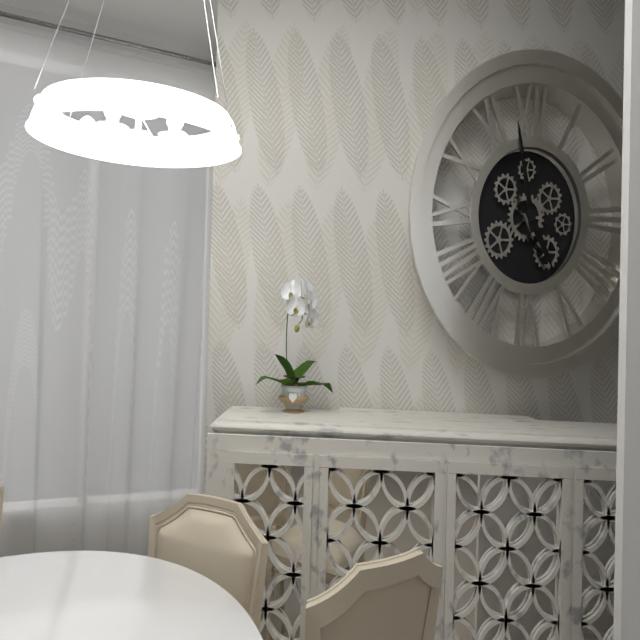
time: **4:58**
